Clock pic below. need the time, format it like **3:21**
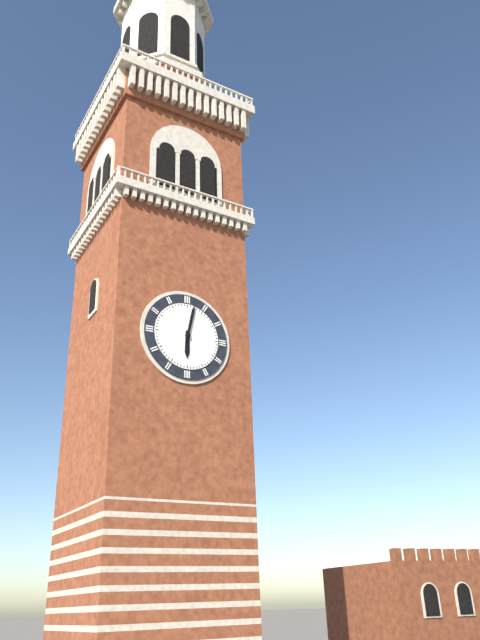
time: **6:02**
